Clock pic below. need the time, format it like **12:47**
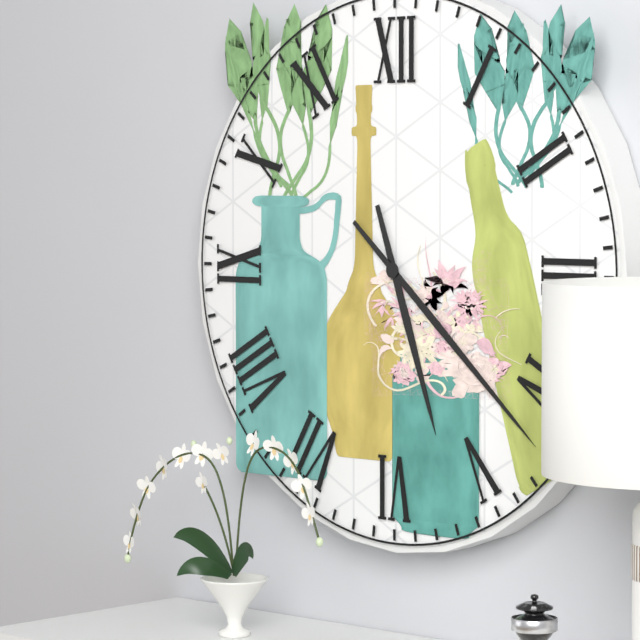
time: **5:22**
